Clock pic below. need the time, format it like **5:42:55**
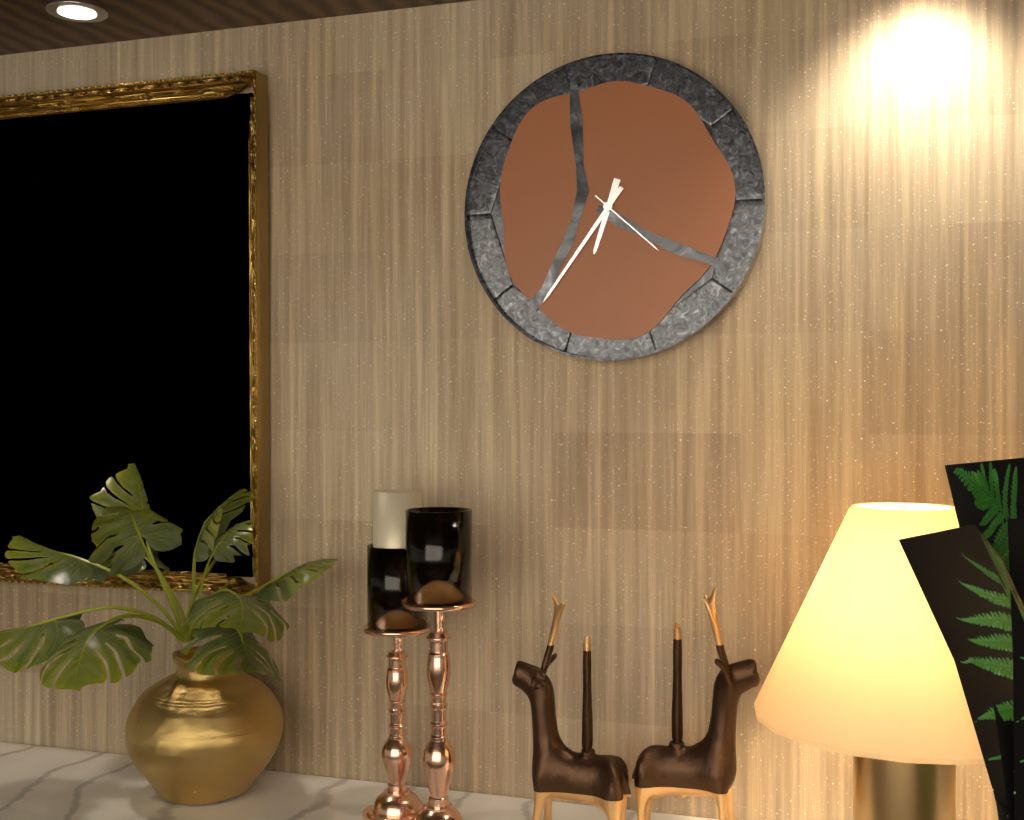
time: **6:36:22**
